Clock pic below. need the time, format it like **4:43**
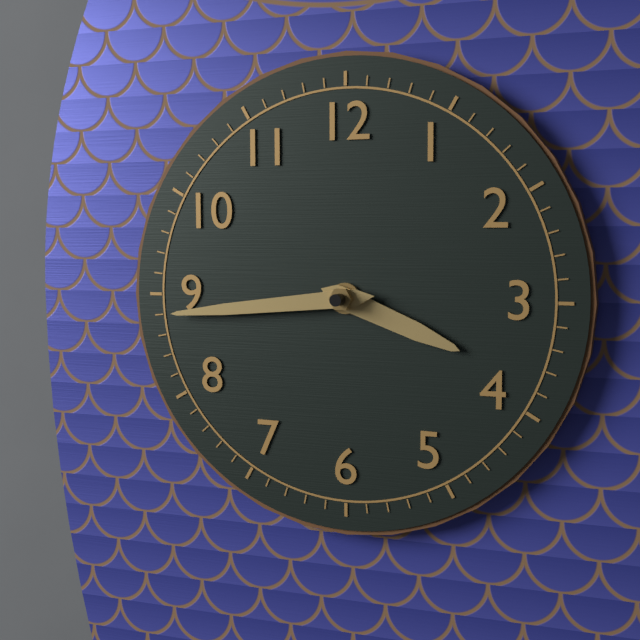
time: **3:44**
